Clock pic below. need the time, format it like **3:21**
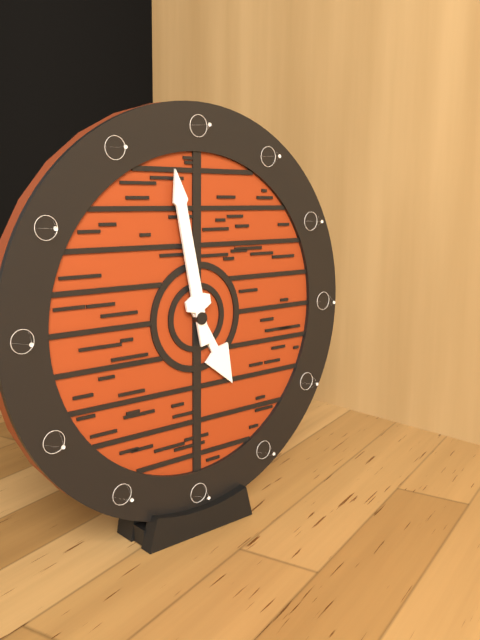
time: **4:58**
